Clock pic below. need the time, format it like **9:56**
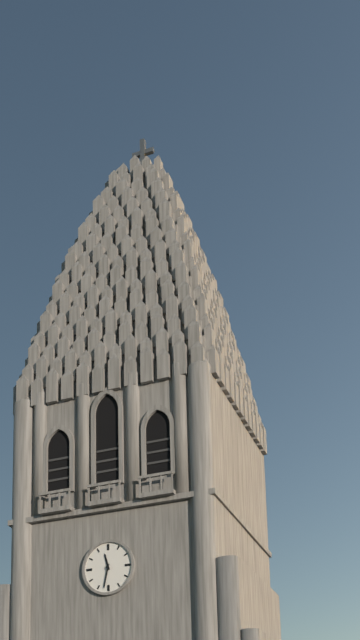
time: **11:32**
